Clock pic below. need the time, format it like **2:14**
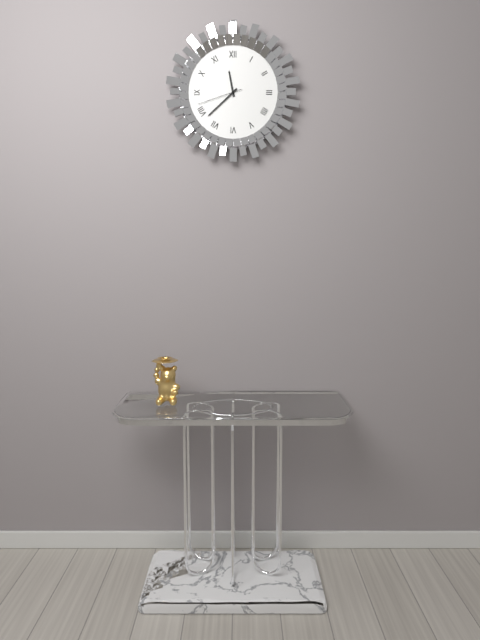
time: **11:38**
